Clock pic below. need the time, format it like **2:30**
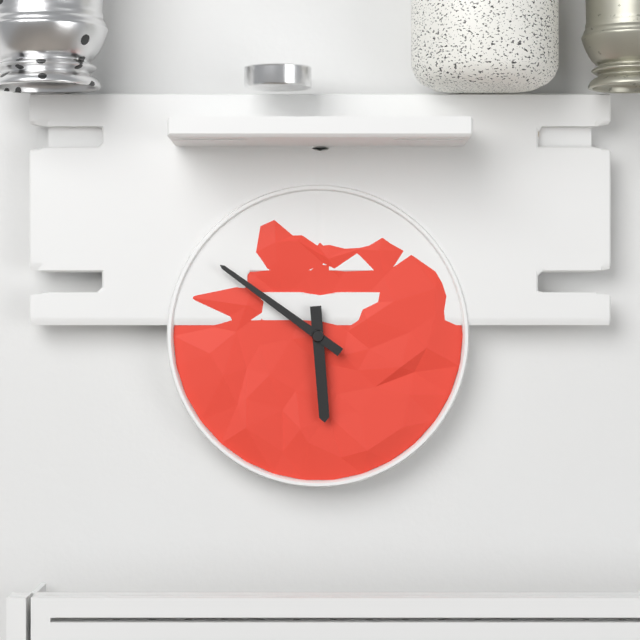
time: **5:51**
